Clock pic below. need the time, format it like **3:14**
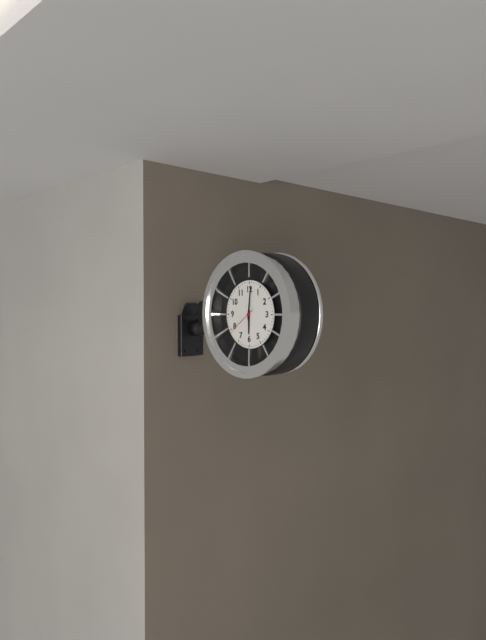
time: **6:01**
